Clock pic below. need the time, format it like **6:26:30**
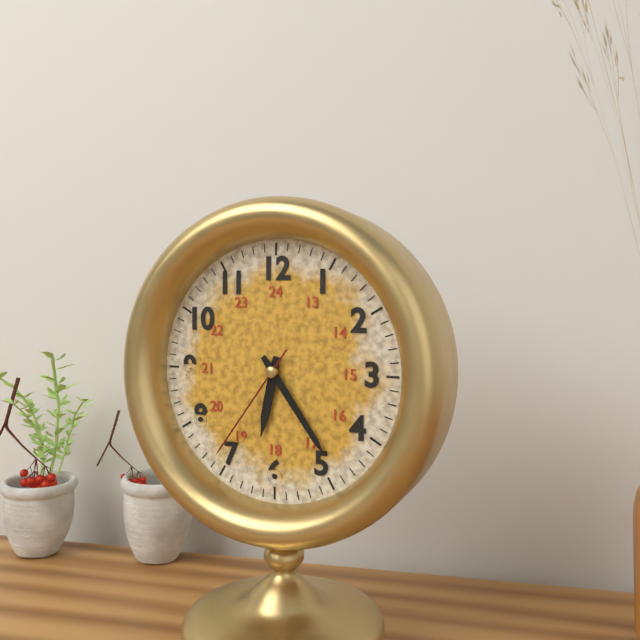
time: **6:24:36**
